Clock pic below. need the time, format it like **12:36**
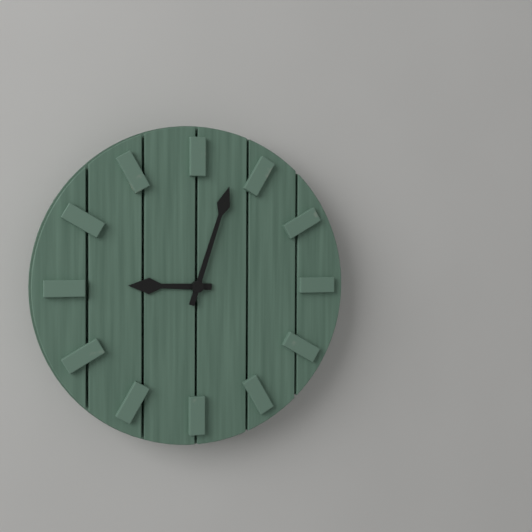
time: **9:03**
